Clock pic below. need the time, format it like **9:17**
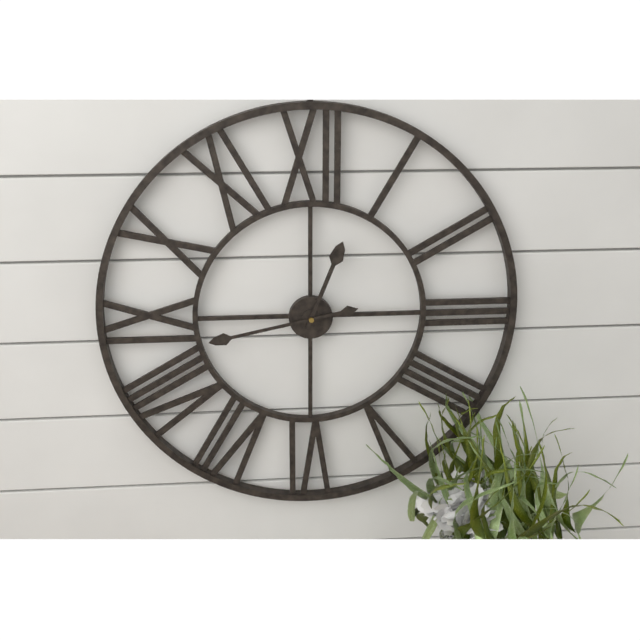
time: **12:43**
